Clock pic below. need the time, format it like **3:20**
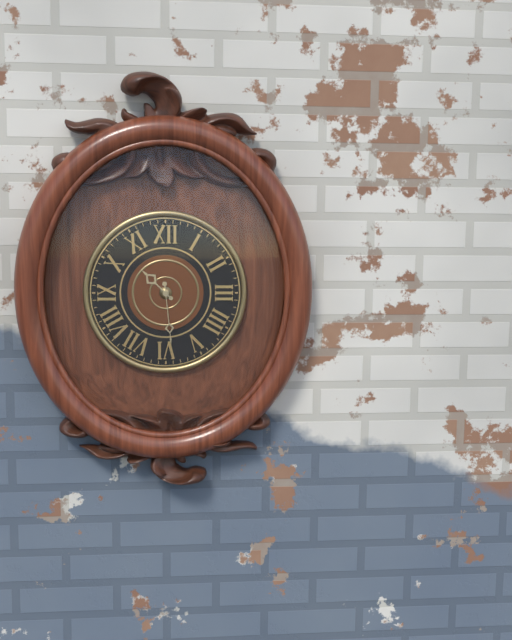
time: **10:29**
